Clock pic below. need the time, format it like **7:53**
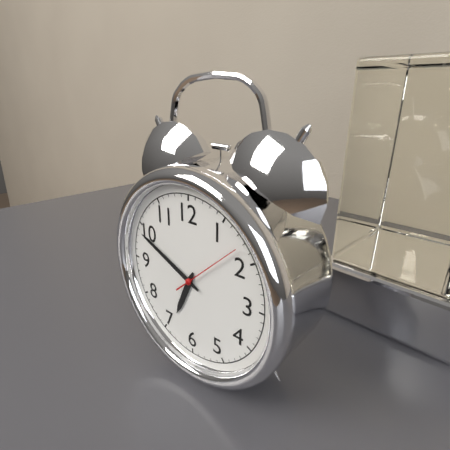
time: **6:49**
